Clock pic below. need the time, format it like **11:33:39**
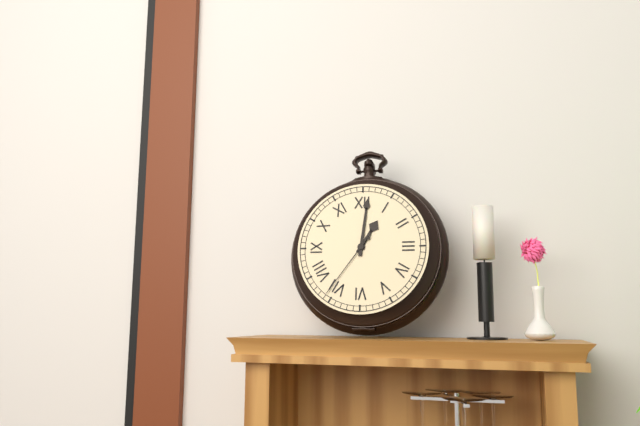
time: **1:01:36**
